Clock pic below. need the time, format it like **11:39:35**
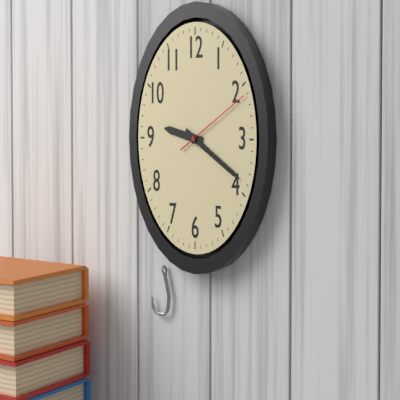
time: **9:19:11**
